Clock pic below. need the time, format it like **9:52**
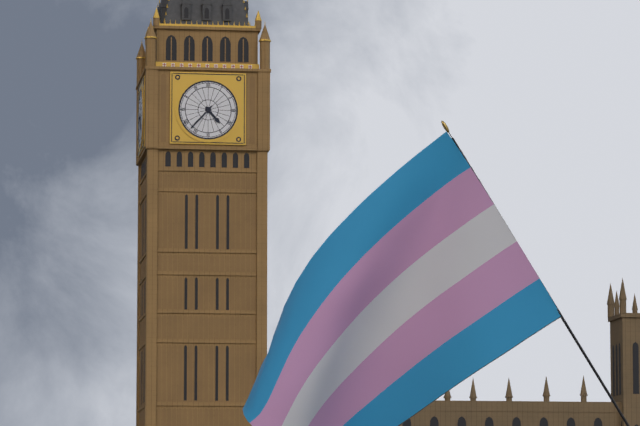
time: **4:37**
